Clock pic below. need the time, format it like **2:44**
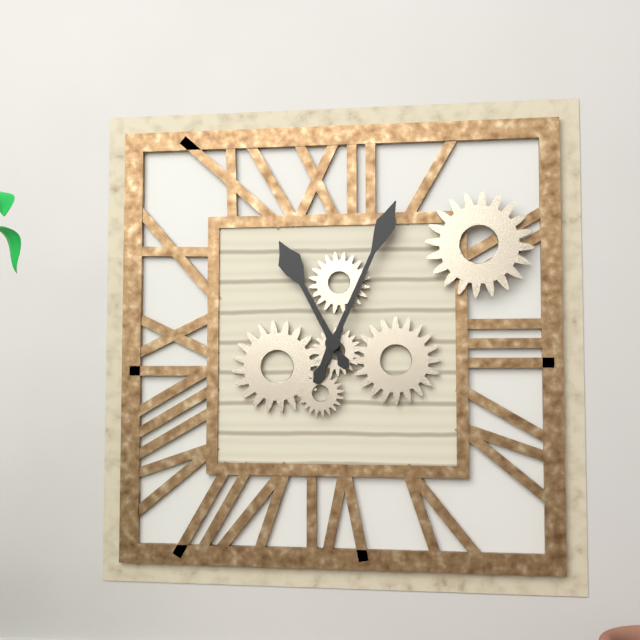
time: **11:04**
